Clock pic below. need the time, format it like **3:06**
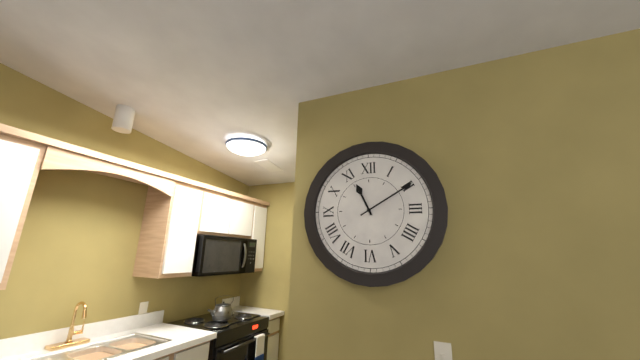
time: **11:10**
